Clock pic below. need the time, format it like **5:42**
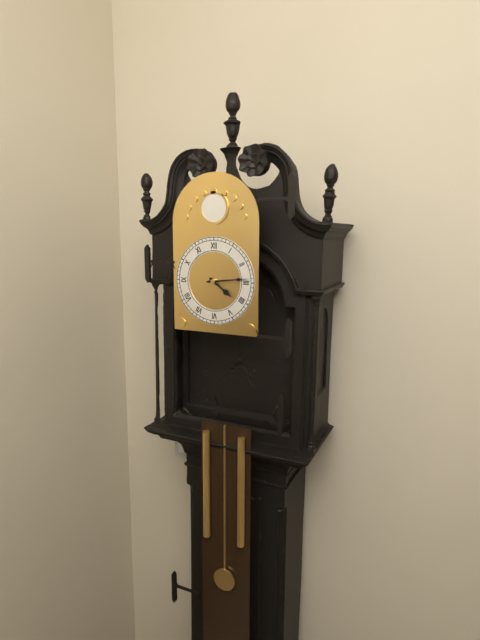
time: **4:14**
